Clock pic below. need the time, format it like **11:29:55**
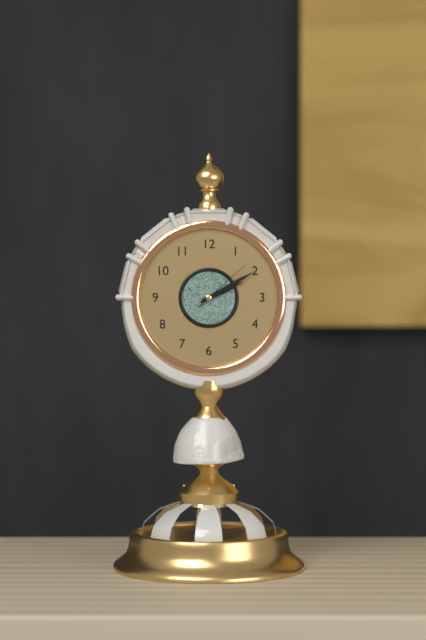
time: **2:10:08**
